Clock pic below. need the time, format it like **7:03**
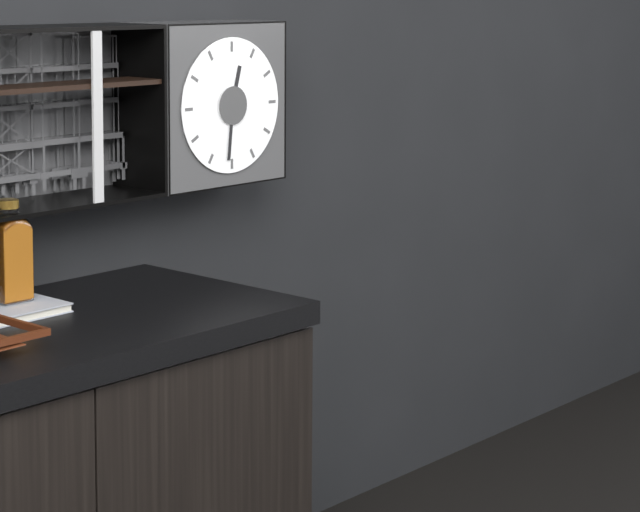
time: **12:31**
